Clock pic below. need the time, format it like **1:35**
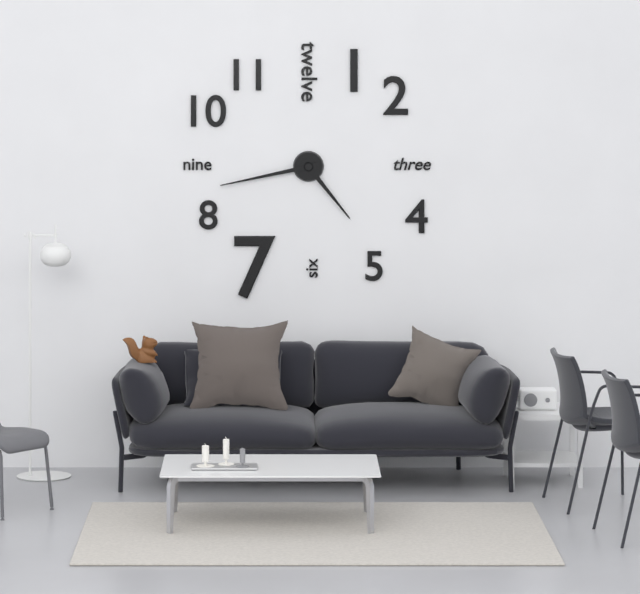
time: **4:43**
